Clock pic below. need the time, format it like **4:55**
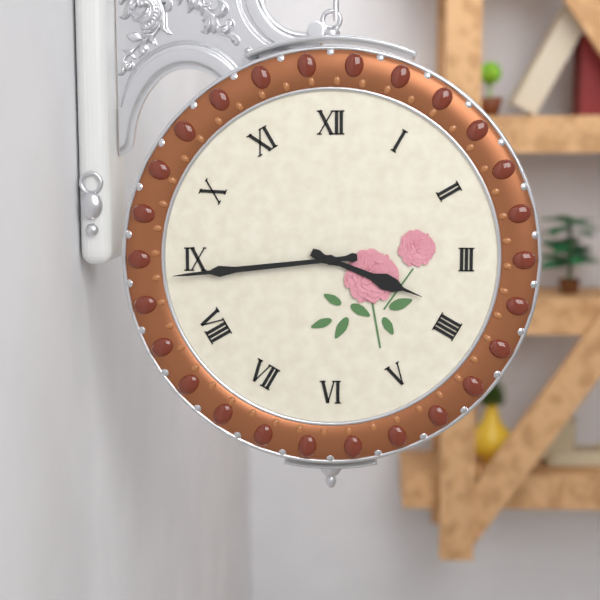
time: **3:44**
